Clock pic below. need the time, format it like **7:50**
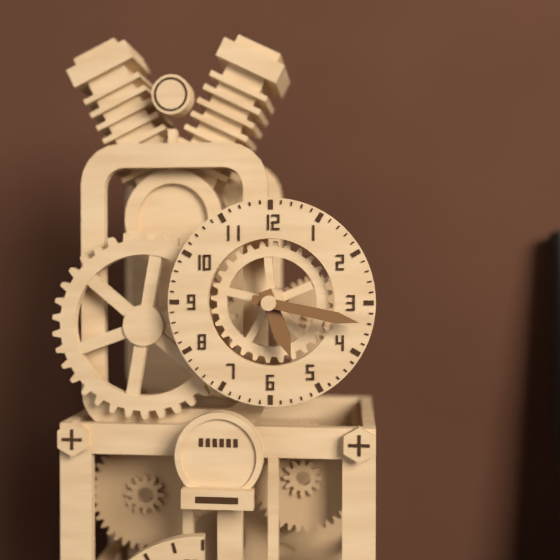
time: **5:17**
